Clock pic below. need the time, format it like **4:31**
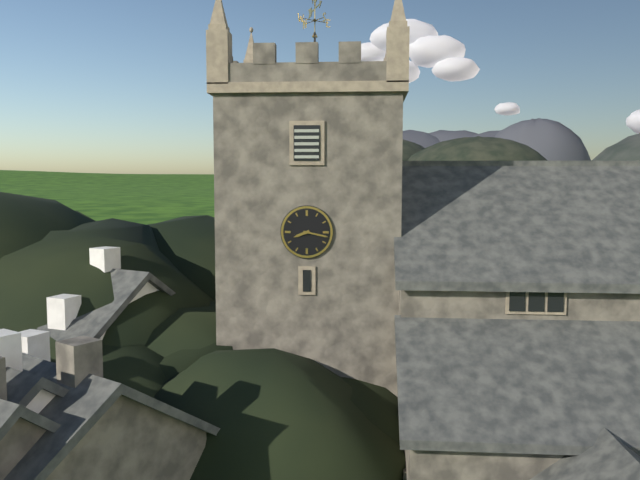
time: **8:17**
